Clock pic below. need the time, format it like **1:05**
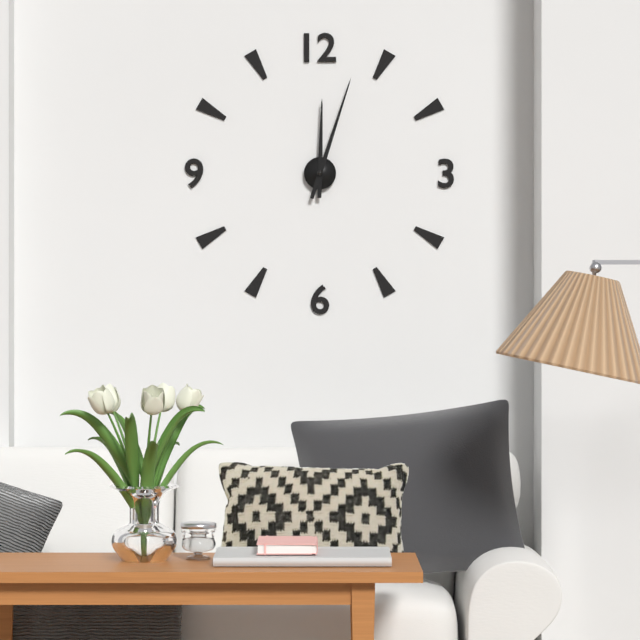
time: **12:03**
